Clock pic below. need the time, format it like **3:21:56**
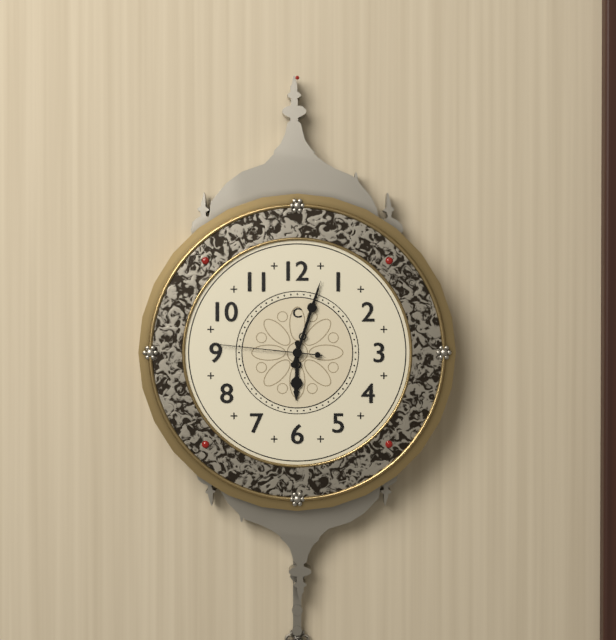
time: **6:03:46**
